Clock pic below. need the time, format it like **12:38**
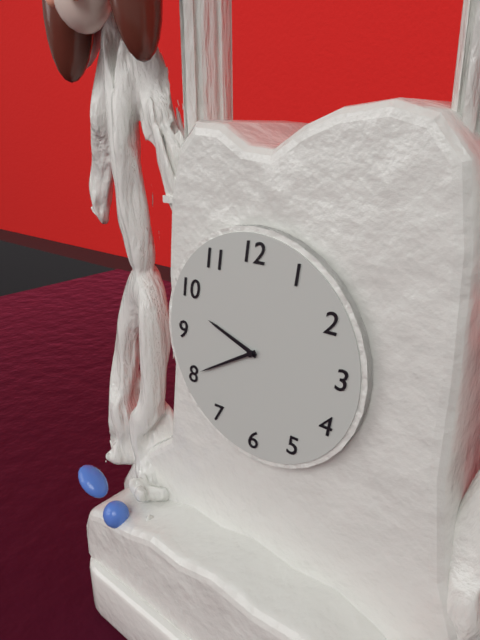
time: **9:40**
